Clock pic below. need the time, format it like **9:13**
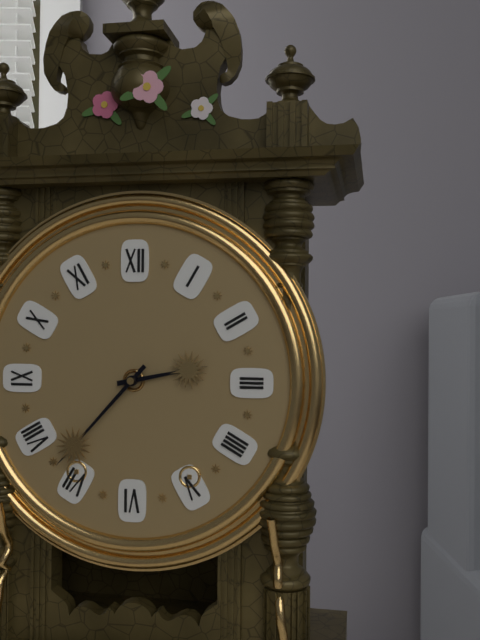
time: **2:37**
